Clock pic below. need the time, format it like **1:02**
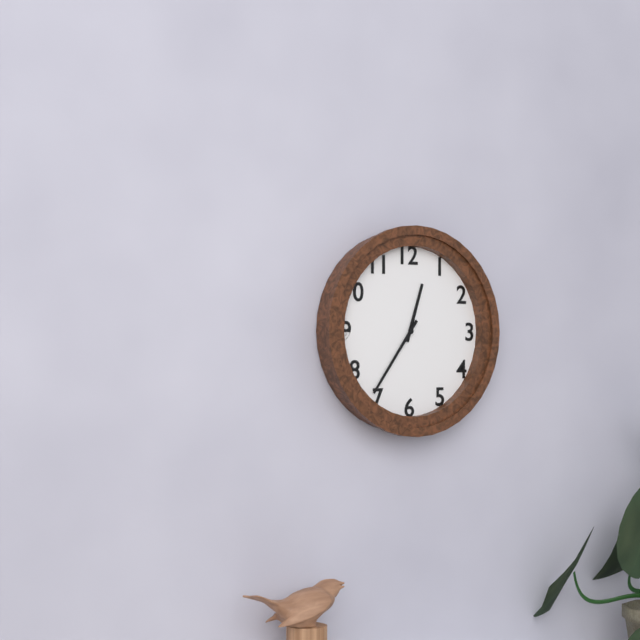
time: **12:36**
